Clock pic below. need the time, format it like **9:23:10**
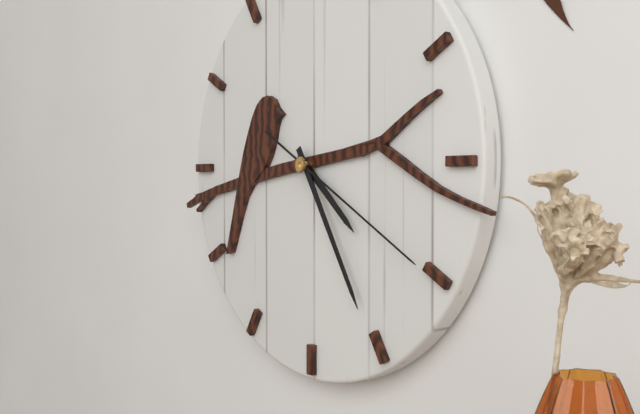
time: **4:25:20**
